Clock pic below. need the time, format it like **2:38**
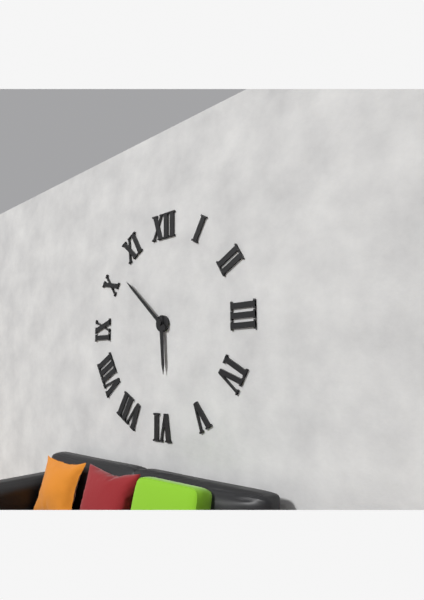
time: **5:52**
